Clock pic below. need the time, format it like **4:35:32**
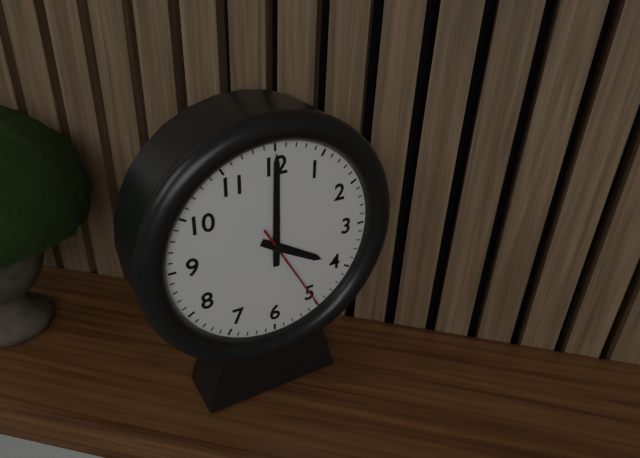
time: **4:00:25**
